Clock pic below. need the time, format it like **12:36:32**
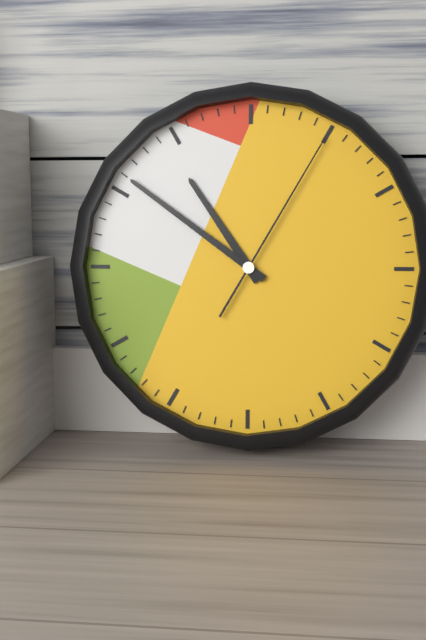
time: **10:51:05**
